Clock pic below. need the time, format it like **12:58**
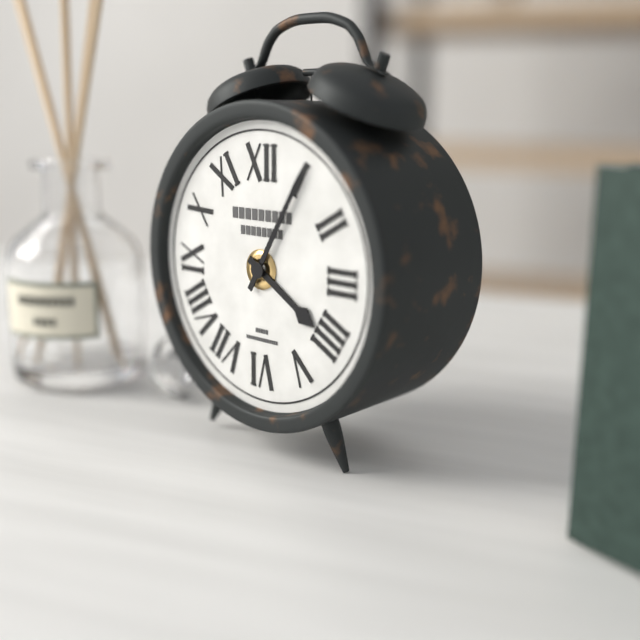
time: **4:05**
